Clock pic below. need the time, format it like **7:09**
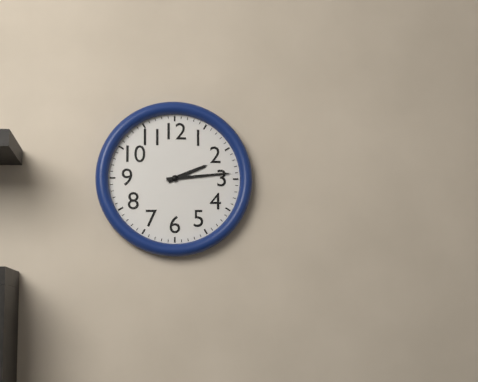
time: **2:14**
